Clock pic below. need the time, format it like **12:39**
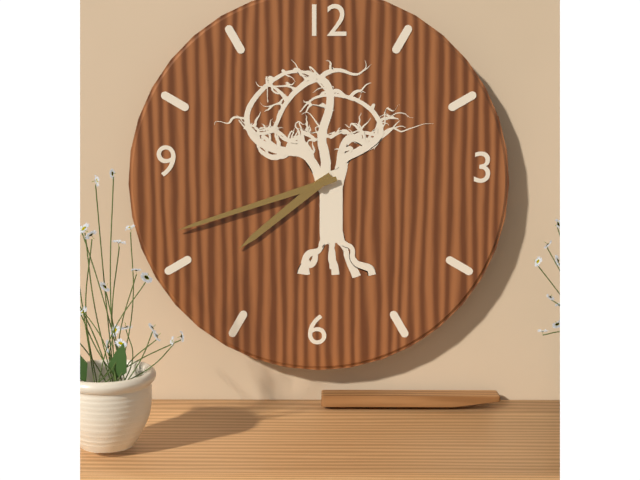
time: **7:42**
